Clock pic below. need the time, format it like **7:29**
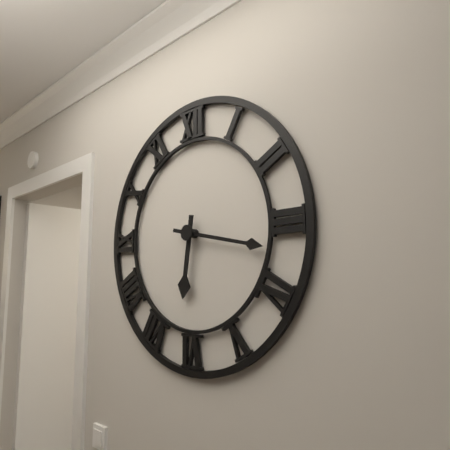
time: **6:17**
